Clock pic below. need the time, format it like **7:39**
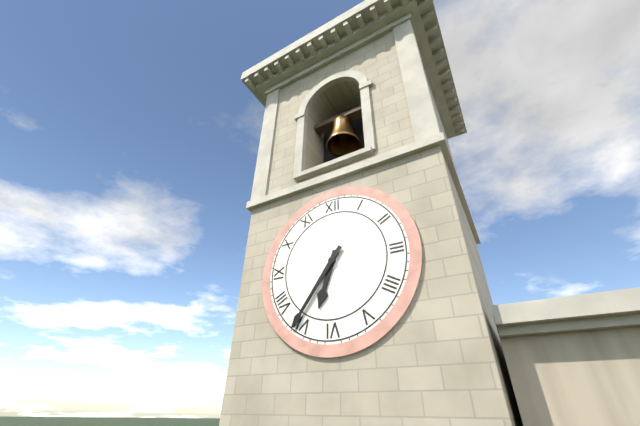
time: **6:36**
